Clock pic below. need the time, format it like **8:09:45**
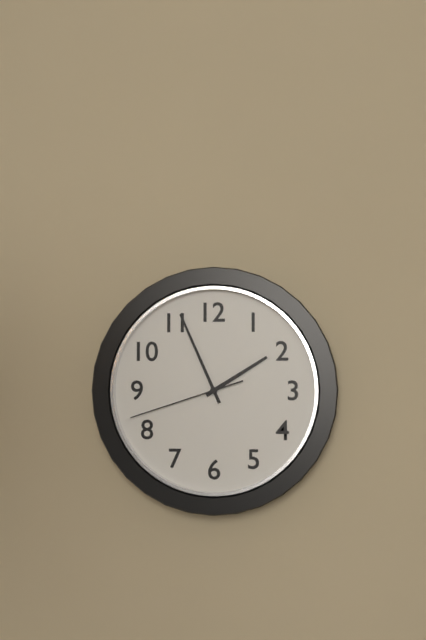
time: **1:56:42**
